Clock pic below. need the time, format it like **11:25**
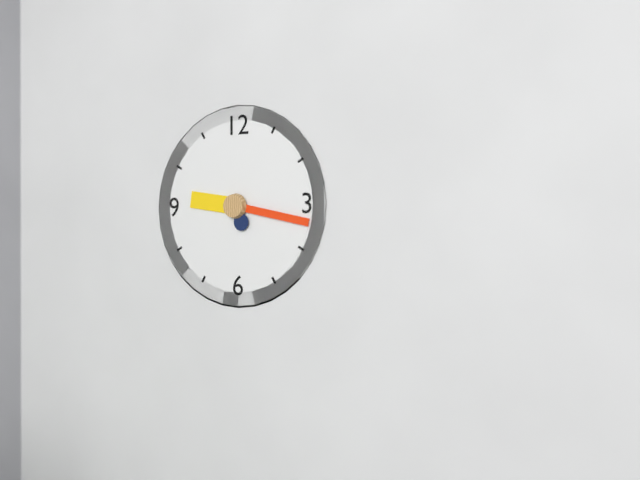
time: **9:17**
